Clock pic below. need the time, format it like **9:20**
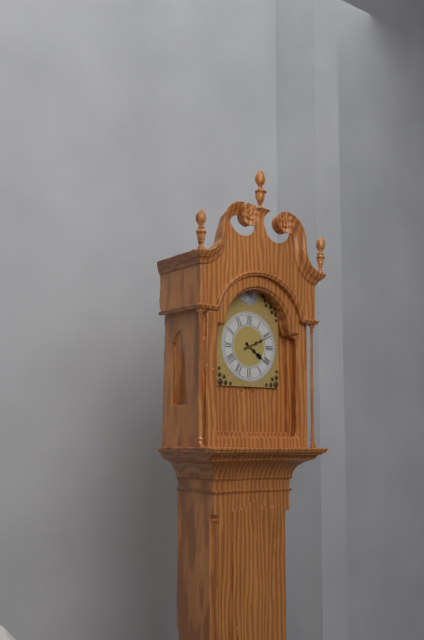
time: **4:11**
